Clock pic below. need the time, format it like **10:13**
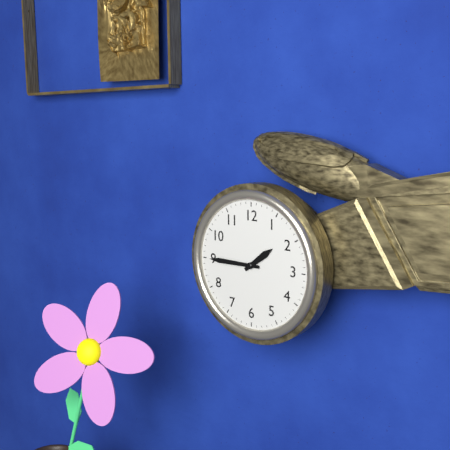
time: **1:45**
